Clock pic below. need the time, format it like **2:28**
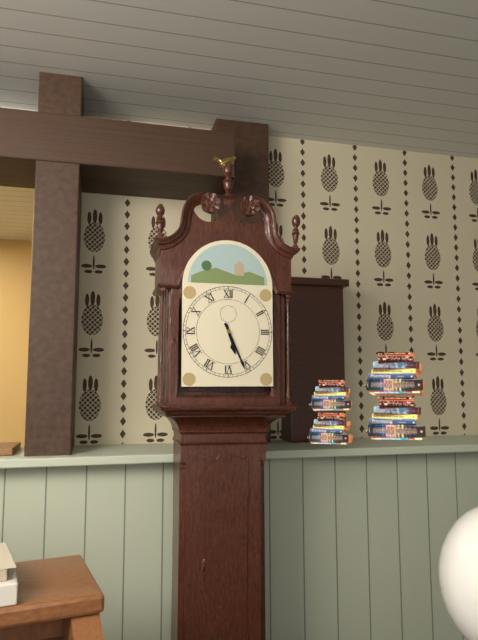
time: **5:26**
